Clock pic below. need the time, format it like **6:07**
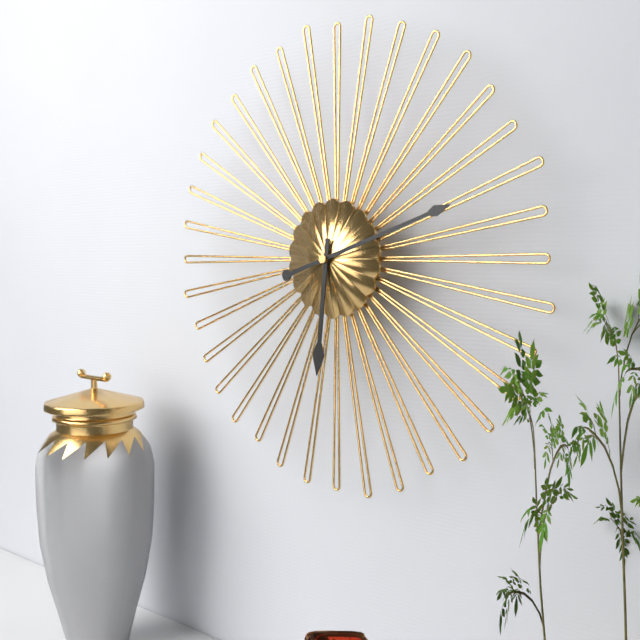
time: **6:12**
